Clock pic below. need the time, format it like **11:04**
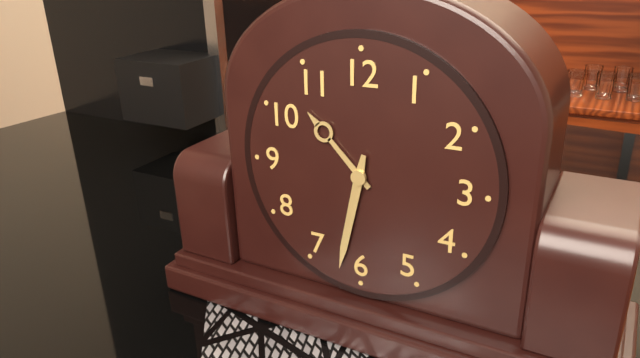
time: **10:32**
